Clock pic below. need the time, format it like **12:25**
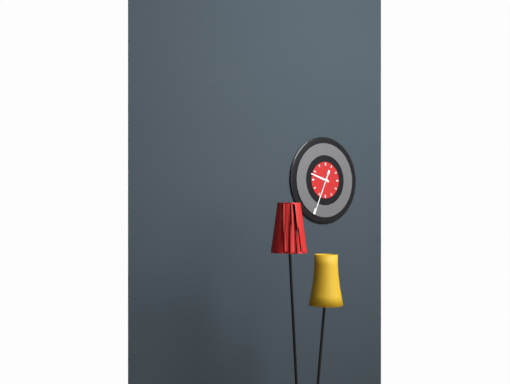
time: **9:34**
